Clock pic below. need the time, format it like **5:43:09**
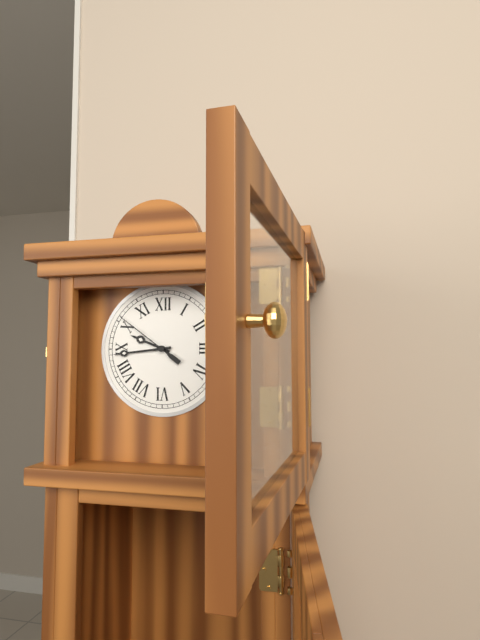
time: **9:44:51**
